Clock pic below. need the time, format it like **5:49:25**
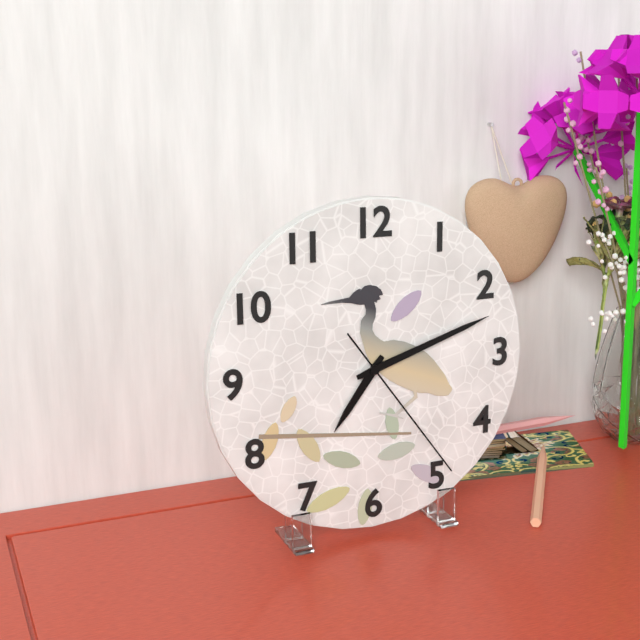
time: **7:12:24**
